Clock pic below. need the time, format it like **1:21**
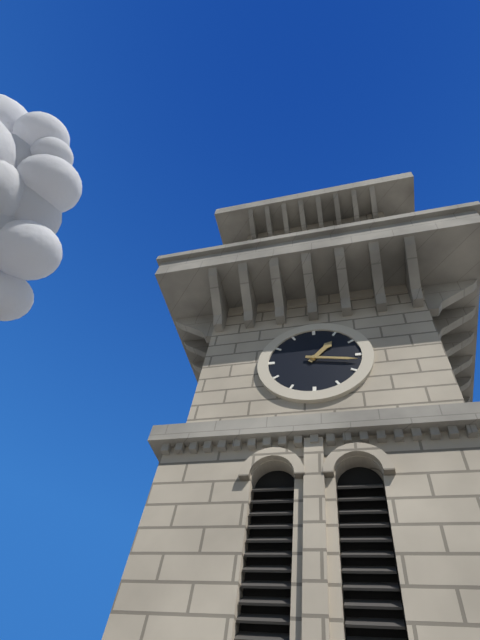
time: **1:17**
